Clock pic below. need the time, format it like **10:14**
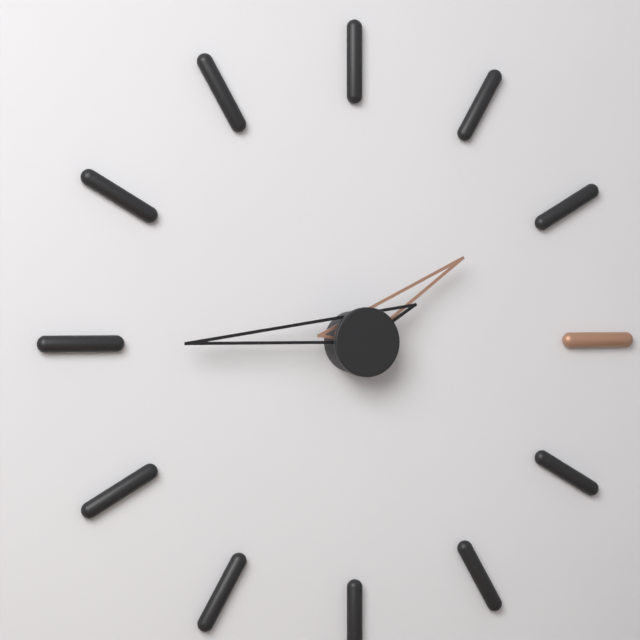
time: **1:45**
